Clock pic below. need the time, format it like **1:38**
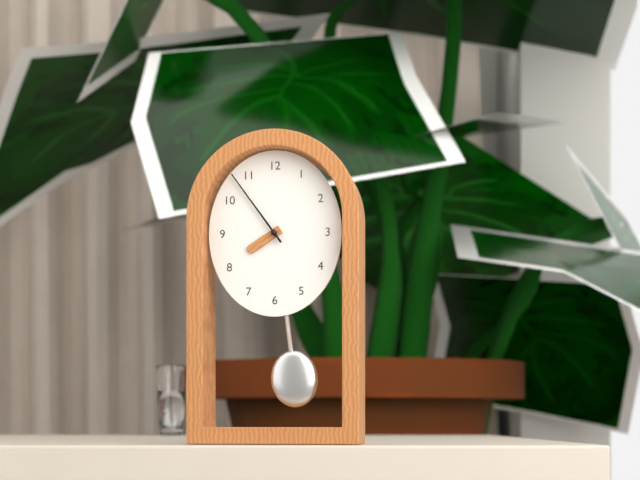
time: **7:54**
